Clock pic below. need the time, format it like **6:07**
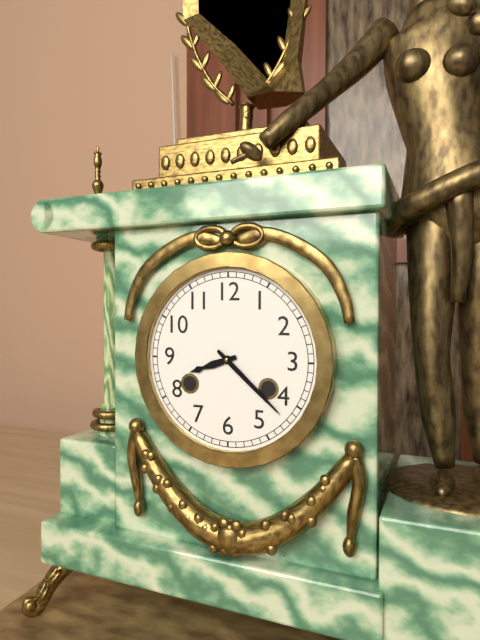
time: **8:22**
